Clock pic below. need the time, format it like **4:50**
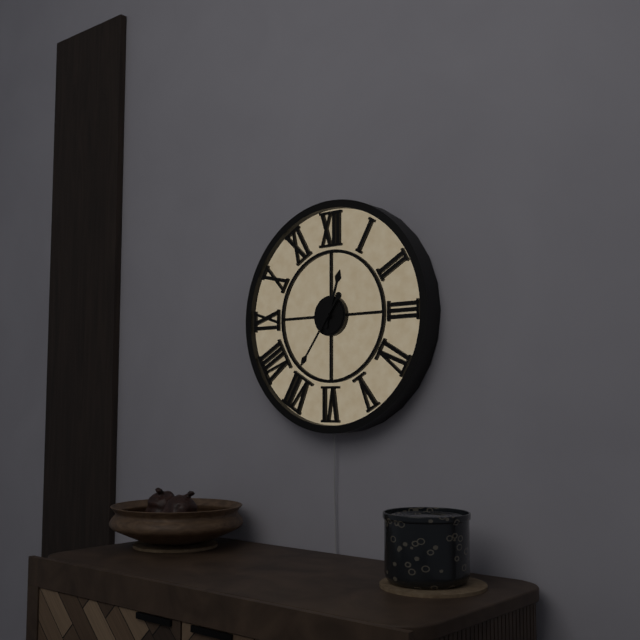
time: **12:36**
